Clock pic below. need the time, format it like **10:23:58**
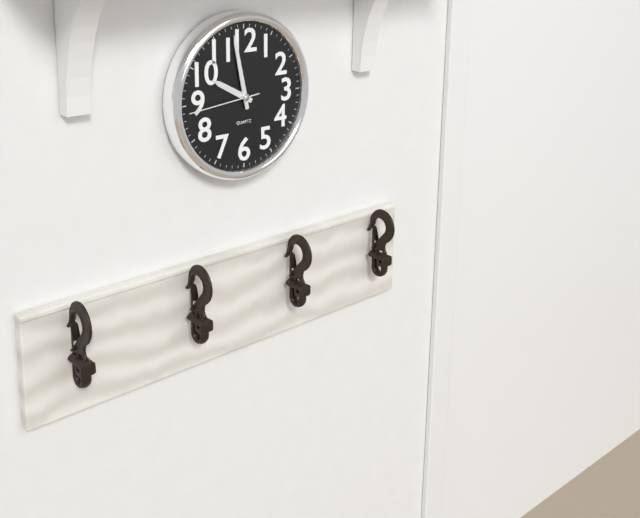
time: **9:58:44**
